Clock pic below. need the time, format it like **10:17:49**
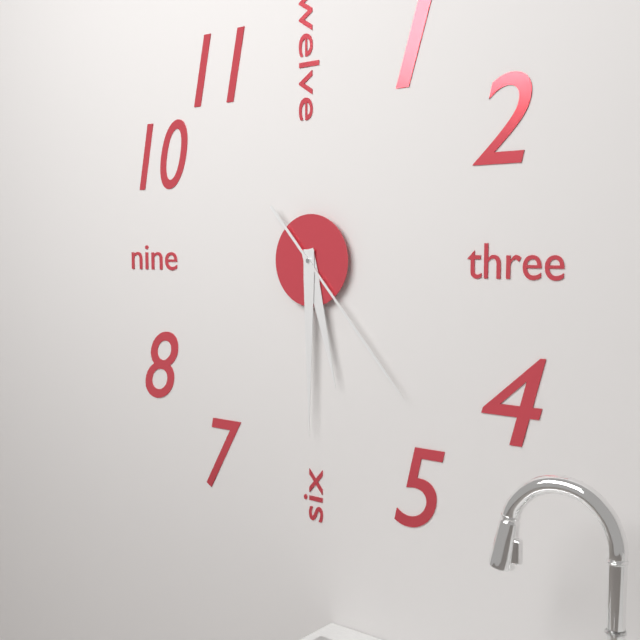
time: **5:30:23**
